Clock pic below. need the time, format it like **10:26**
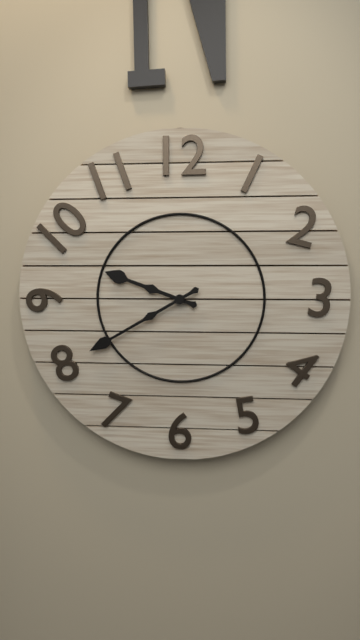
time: **9:40**
